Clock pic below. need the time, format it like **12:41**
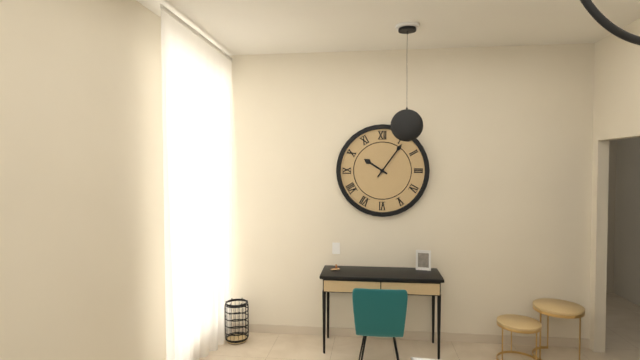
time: **10:06**
